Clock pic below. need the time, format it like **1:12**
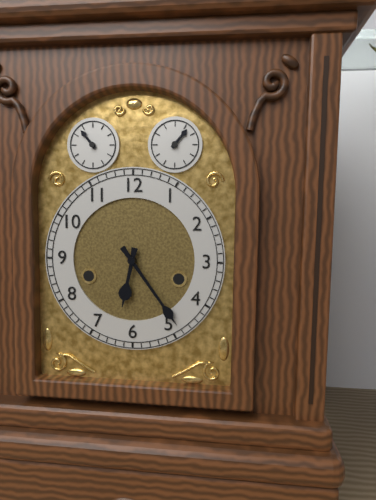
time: **6:24**
